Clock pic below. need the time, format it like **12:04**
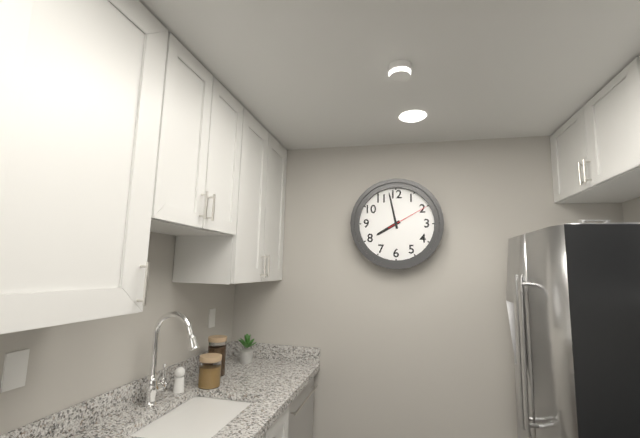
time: **7:58**
